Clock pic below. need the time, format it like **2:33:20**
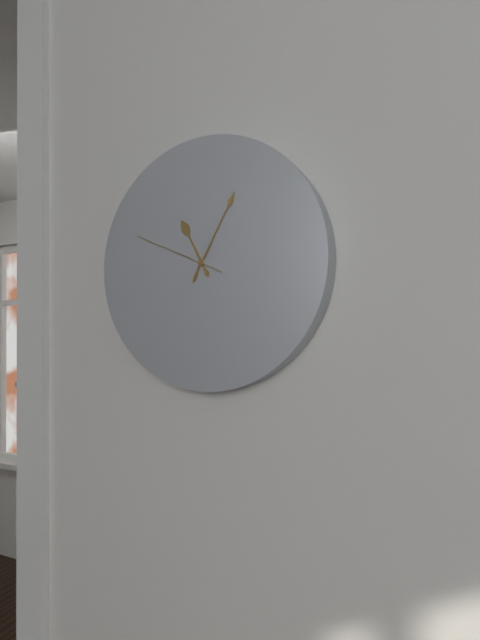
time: **11:05:49**
